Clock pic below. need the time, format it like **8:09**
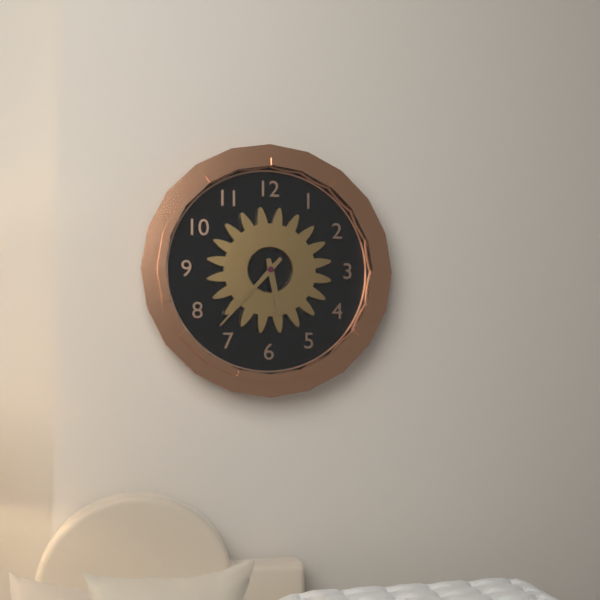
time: **5:37**
